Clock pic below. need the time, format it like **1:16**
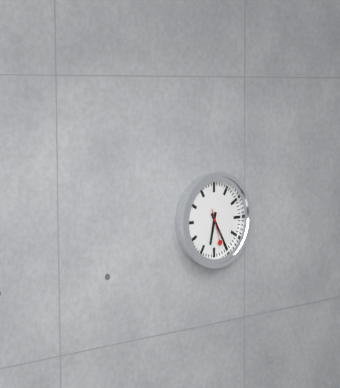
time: **6:25**
